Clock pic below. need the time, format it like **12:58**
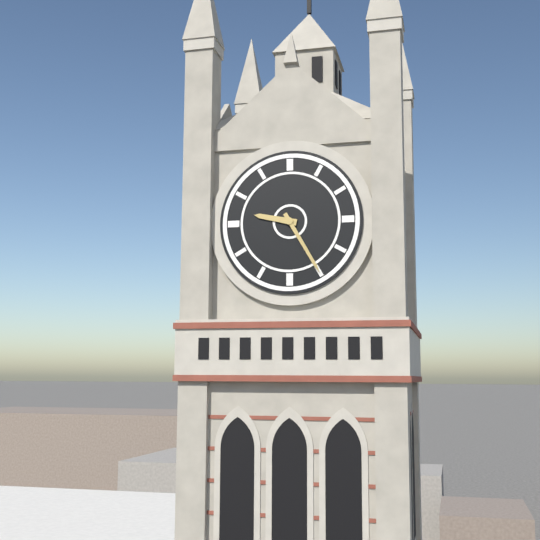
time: **9:25**
